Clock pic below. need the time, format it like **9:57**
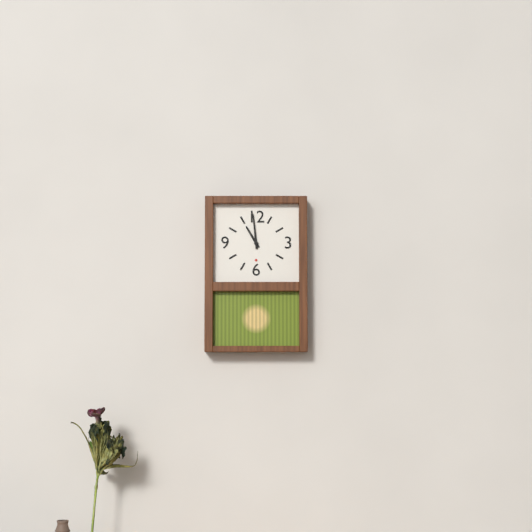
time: **10:59**
